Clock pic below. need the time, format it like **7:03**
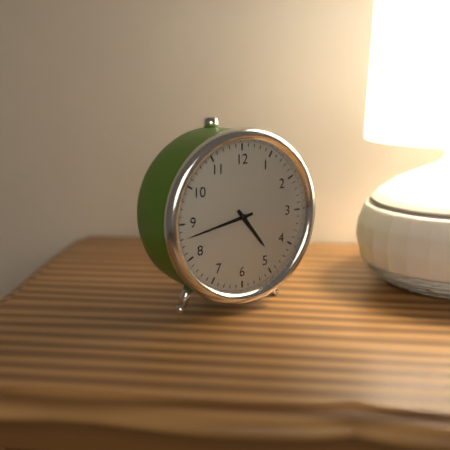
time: **4:43**
